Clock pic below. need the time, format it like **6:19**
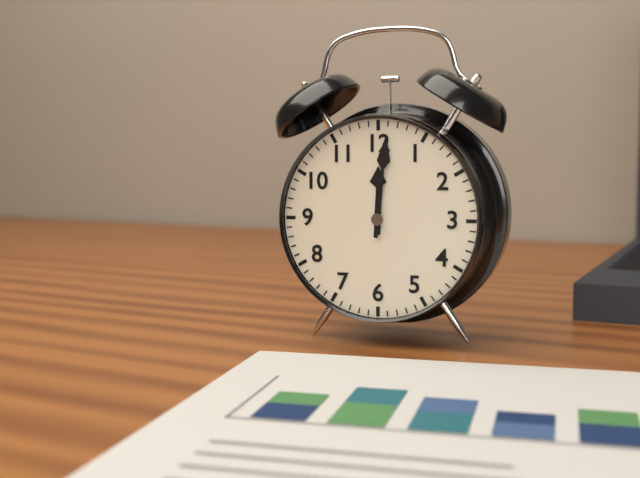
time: **12:01**
